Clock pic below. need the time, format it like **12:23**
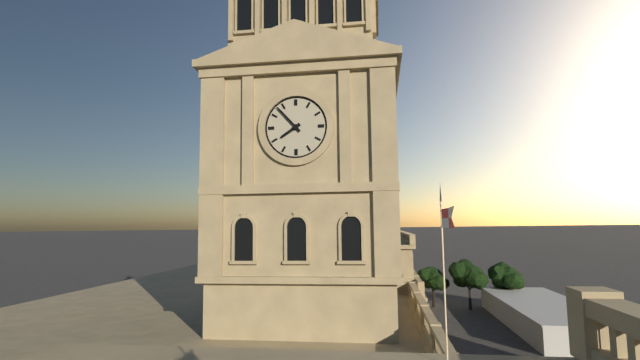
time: **7:53**
